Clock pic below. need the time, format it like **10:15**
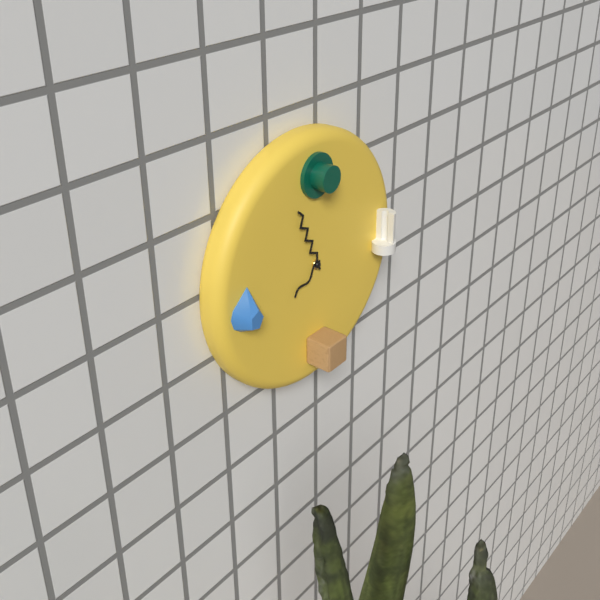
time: **7:56**
